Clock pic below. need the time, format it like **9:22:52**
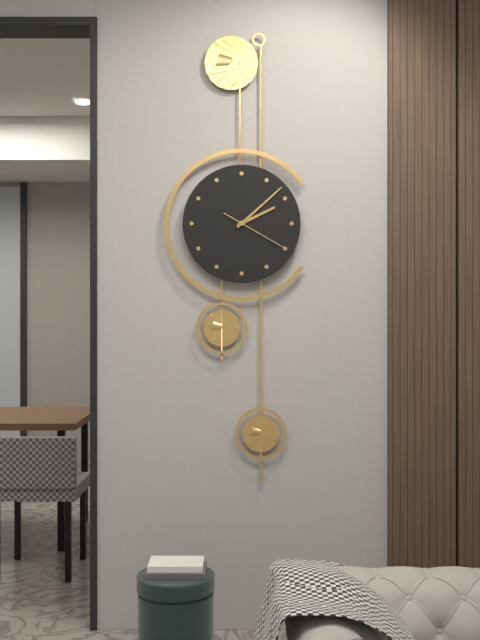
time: **2:08:20**
